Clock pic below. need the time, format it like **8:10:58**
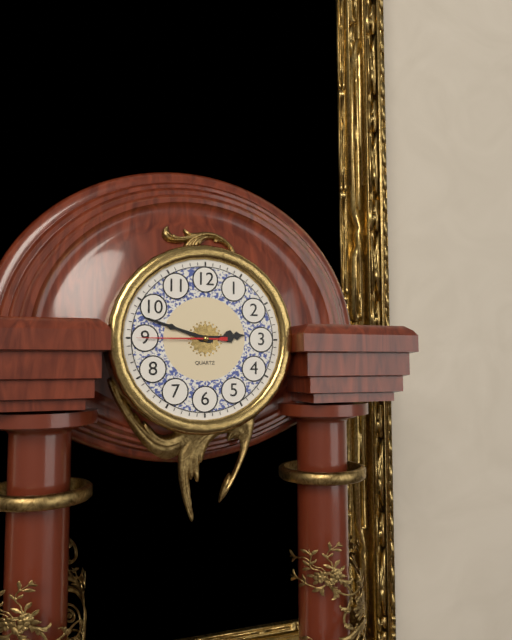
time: **2:48:45**
